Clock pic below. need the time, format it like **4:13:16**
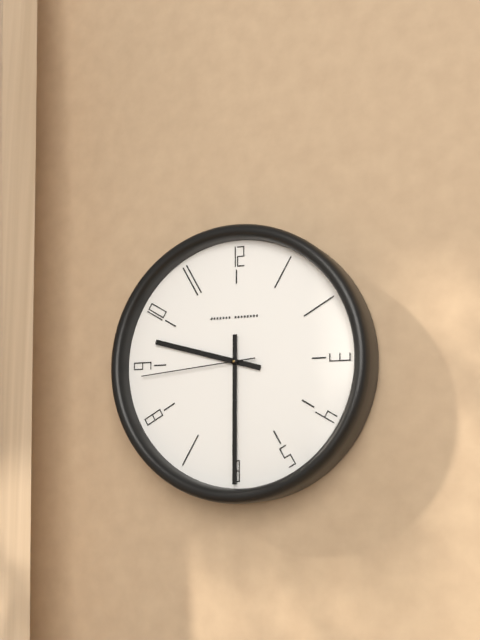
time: **9:30:44**
